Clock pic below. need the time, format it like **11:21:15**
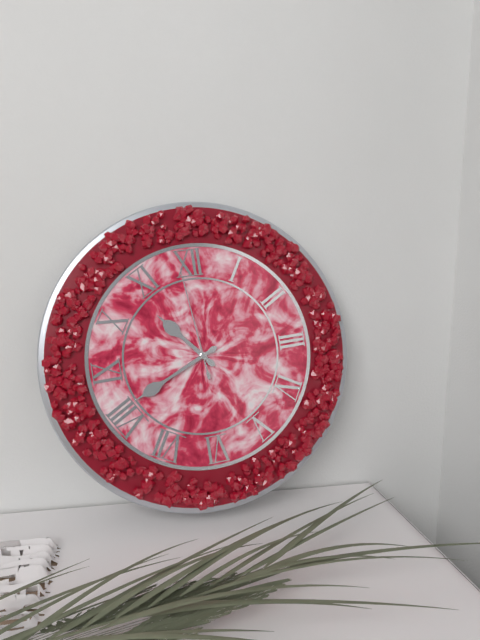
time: **10:41:59**
